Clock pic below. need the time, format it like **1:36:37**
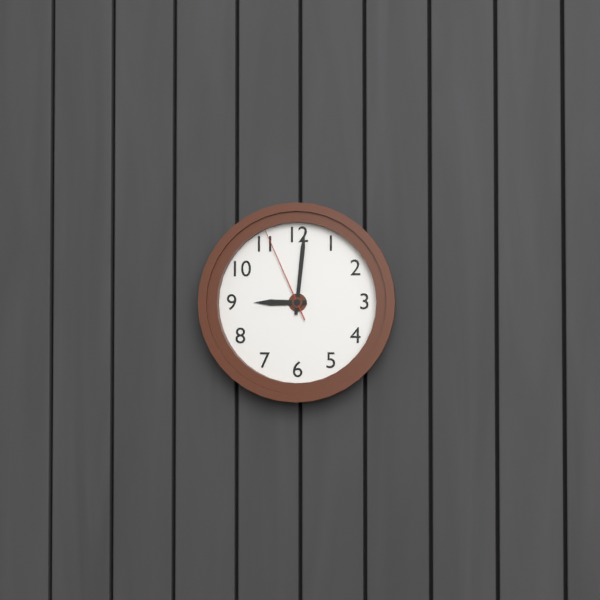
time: **9:01:56**
